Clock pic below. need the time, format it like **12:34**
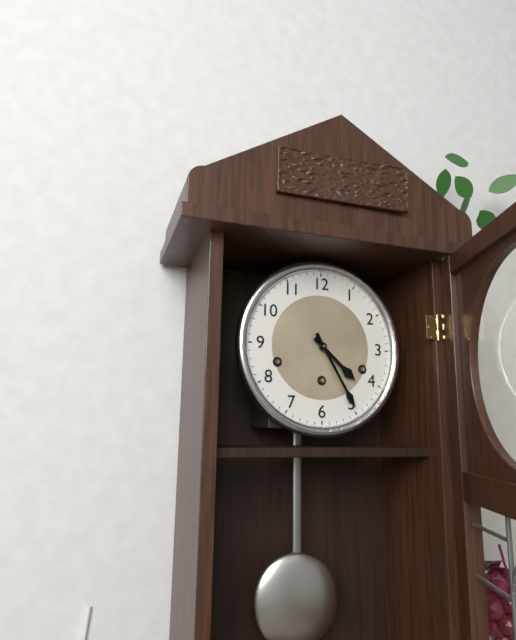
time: **4:25**
